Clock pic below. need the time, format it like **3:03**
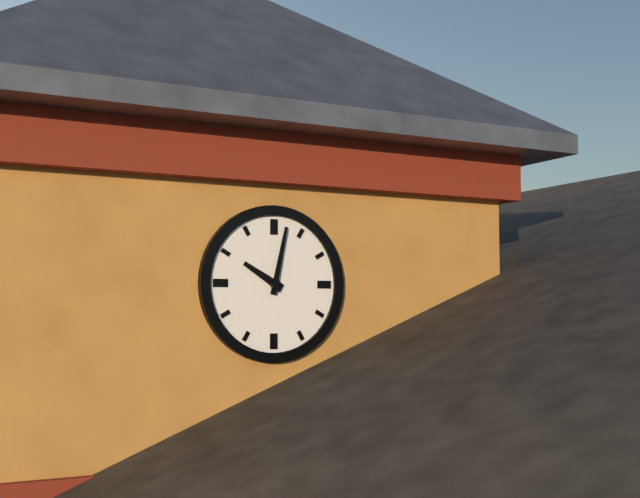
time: **10:02**
